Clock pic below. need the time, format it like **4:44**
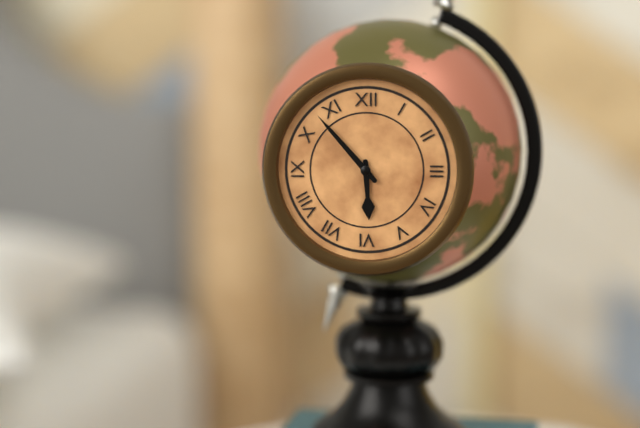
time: **5:53**
